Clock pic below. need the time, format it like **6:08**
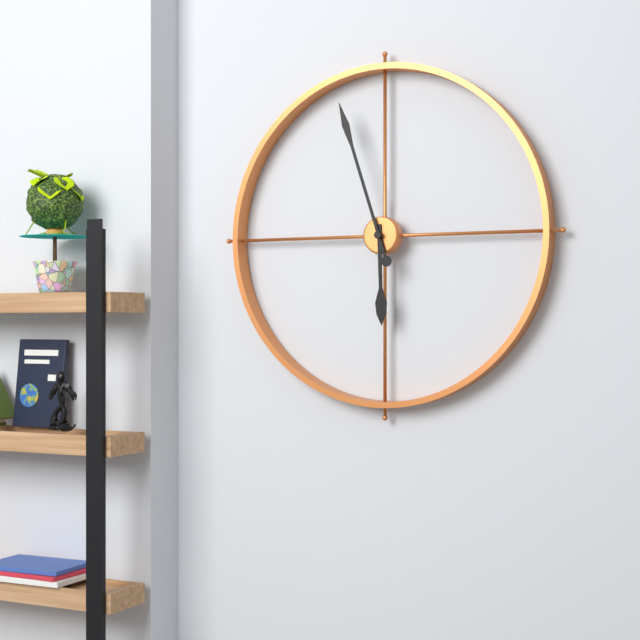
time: **5:57**
